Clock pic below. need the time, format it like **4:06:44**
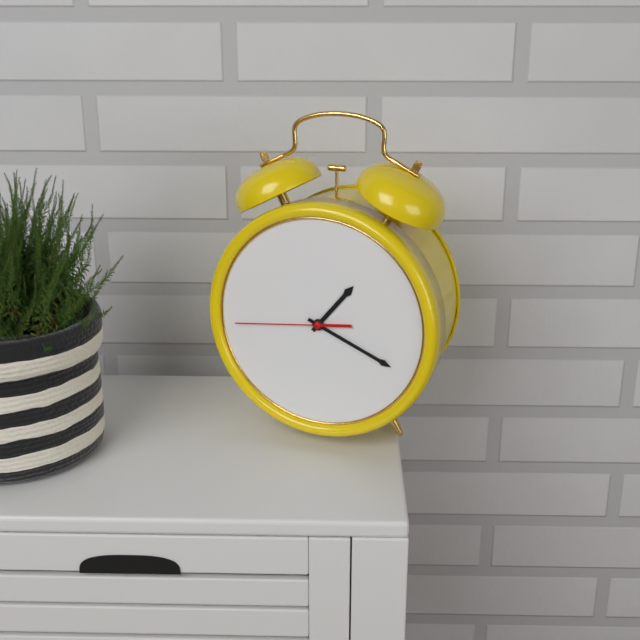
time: **1:19:44**
